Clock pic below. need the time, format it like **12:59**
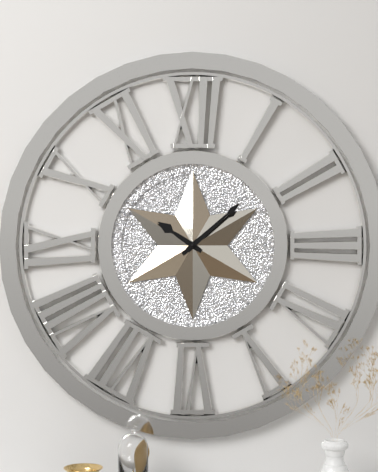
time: **10:08**
